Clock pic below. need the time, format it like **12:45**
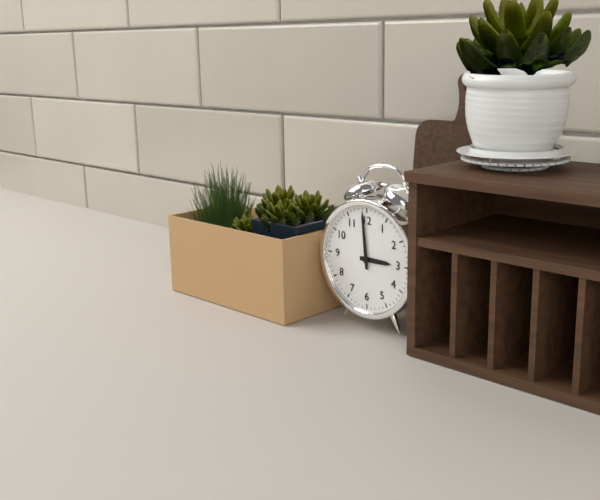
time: **2:59**
